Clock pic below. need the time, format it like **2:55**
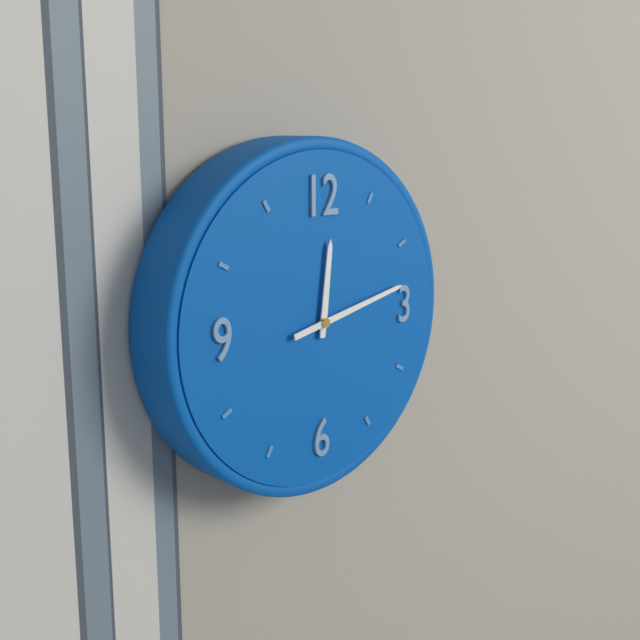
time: **12:13**
